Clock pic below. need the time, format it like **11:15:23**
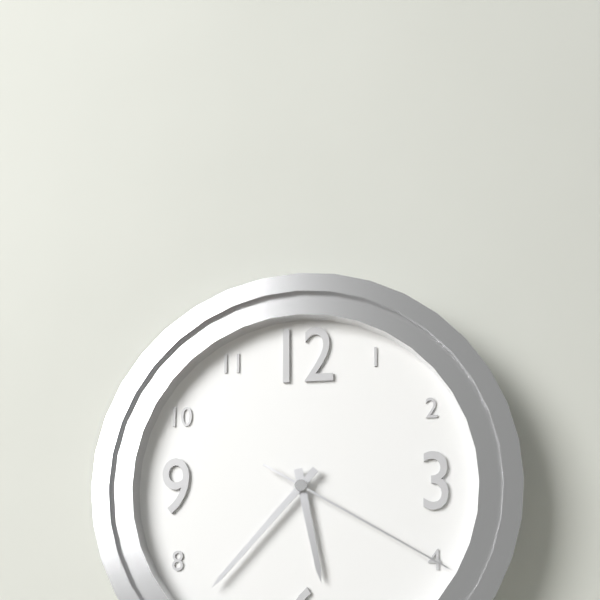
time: **5:37:20**
